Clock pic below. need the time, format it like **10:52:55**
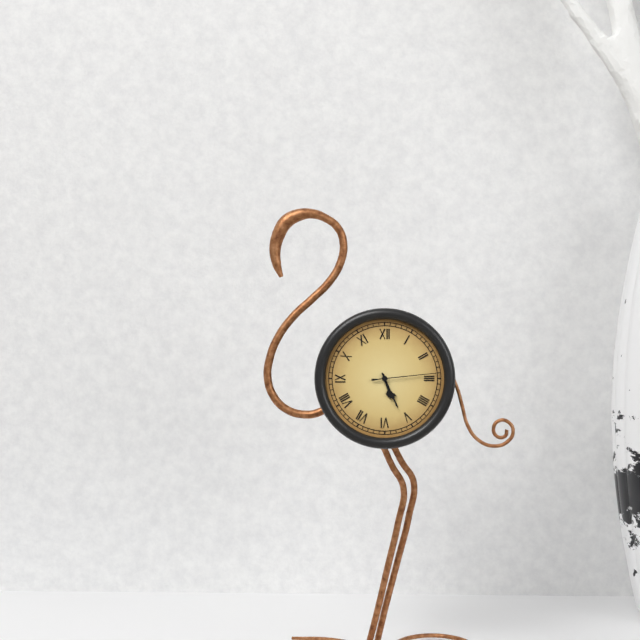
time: **5:26:14**
